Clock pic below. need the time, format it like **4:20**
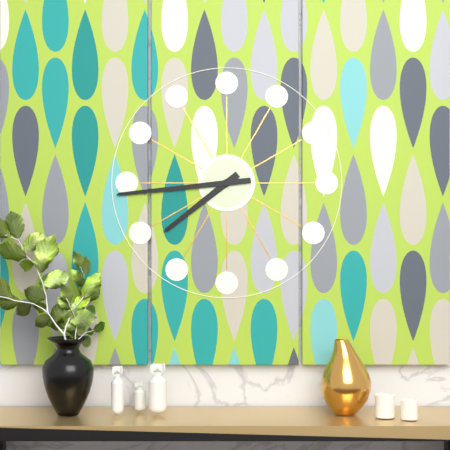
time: **7:44**
